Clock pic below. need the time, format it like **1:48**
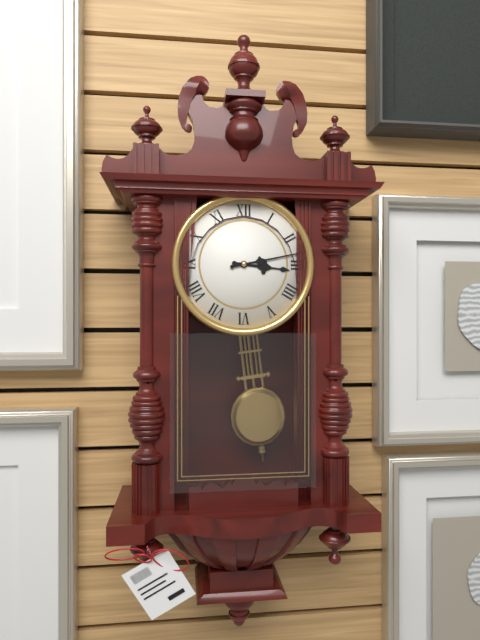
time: **3:13**
